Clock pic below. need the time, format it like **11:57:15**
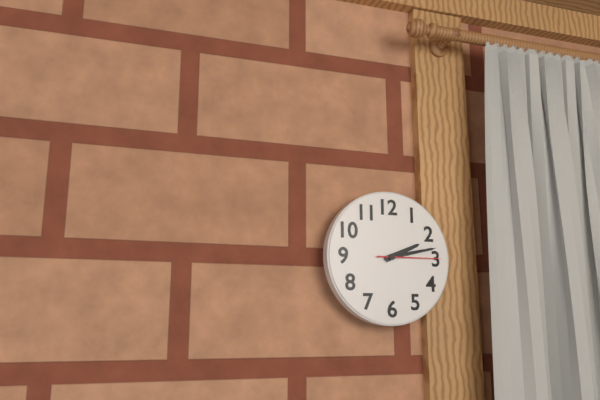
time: **2:13:15**
